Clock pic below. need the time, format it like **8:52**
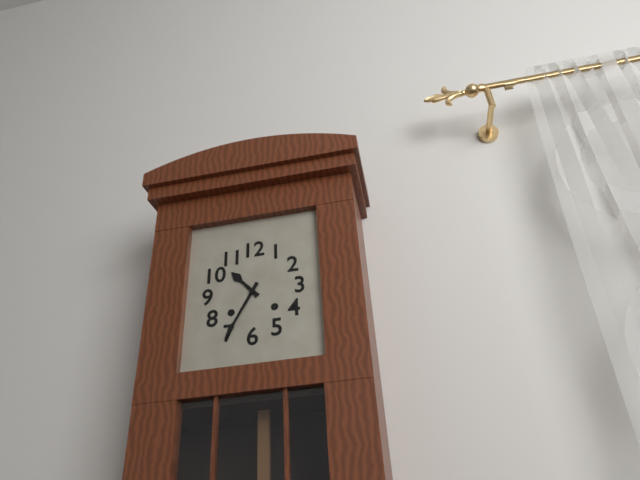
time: **10:35**
